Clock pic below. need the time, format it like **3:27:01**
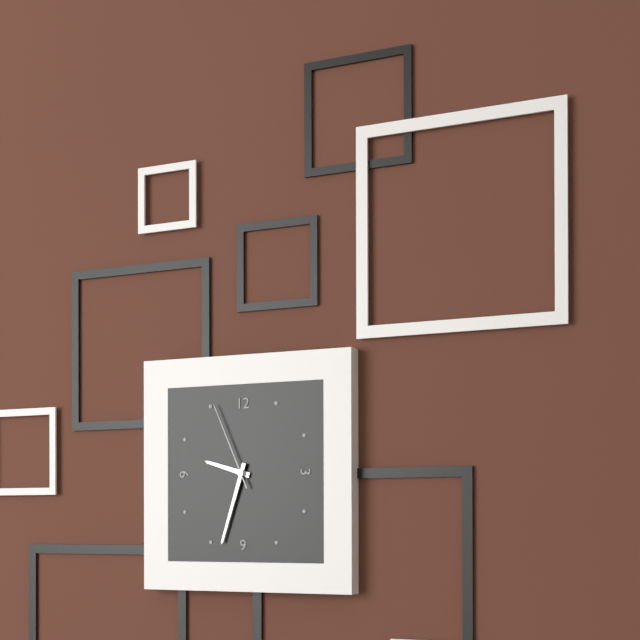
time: **9:33:56**
